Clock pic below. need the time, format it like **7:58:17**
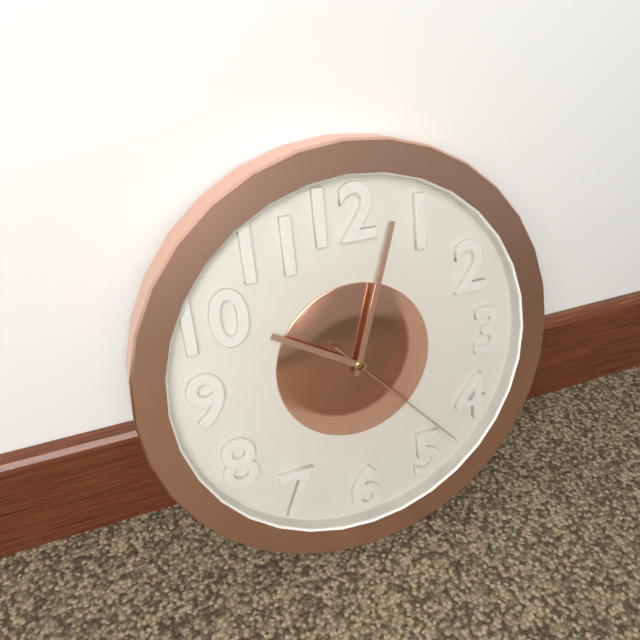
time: **10:03:23**
